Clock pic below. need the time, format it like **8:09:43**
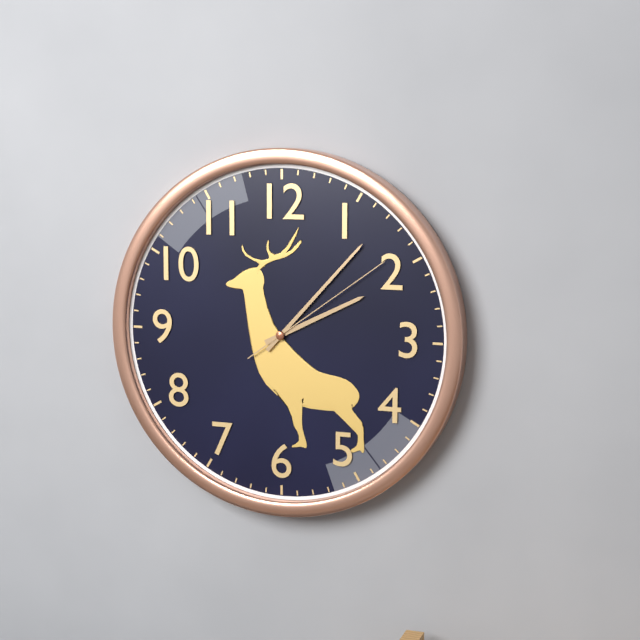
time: **2:07:09**
